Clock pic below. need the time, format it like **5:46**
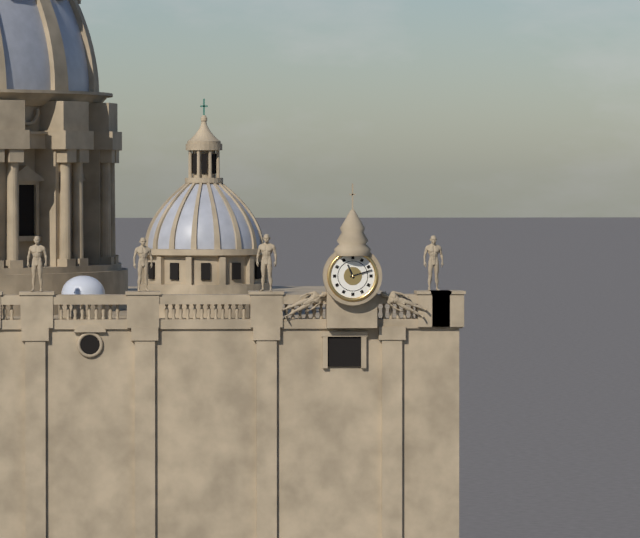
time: **11:12**
